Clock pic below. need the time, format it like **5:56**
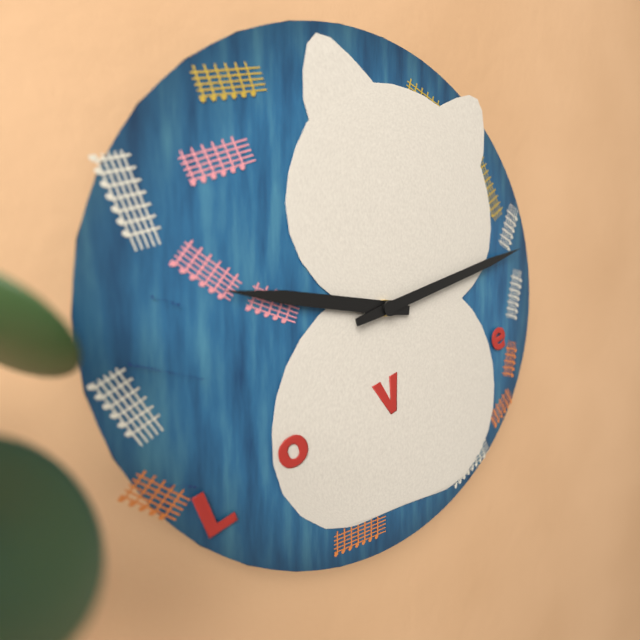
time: **9:12**
